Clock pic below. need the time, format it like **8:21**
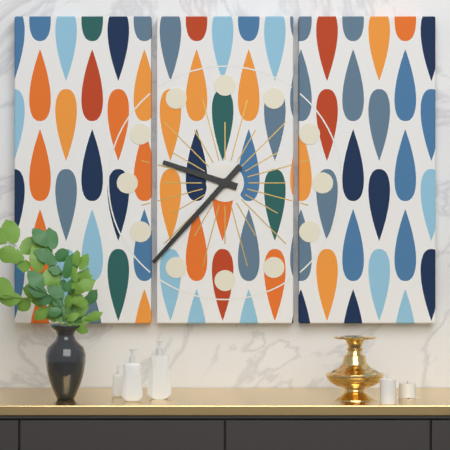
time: **9:37**
